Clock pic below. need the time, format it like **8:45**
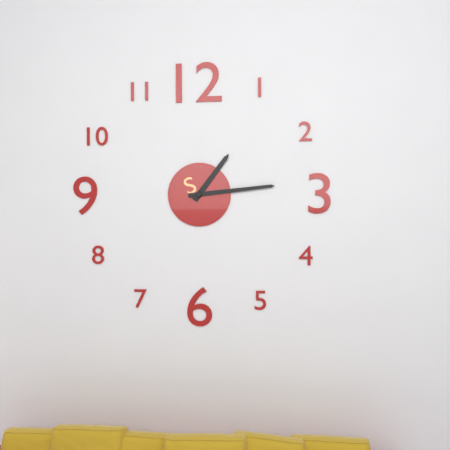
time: **1:14**
